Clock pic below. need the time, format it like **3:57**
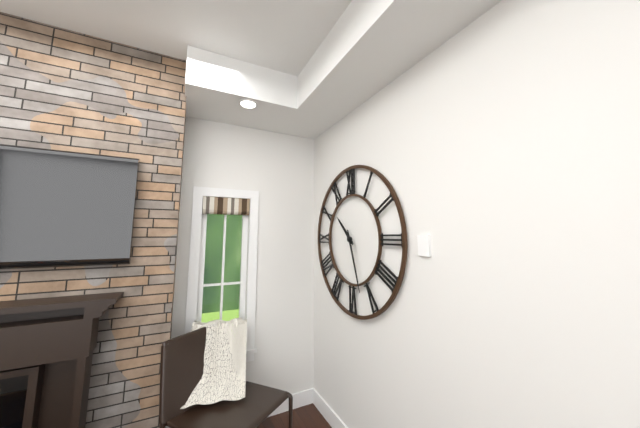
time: **10:27**
